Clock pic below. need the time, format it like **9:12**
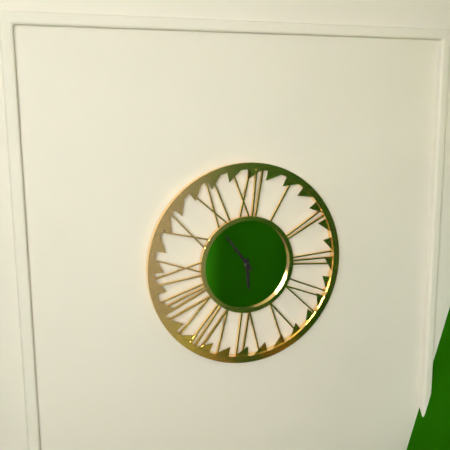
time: **5:54**
